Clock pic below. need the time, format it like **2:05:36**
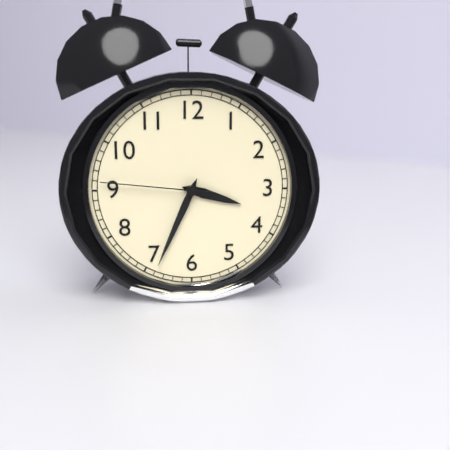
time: **3:34:46**
